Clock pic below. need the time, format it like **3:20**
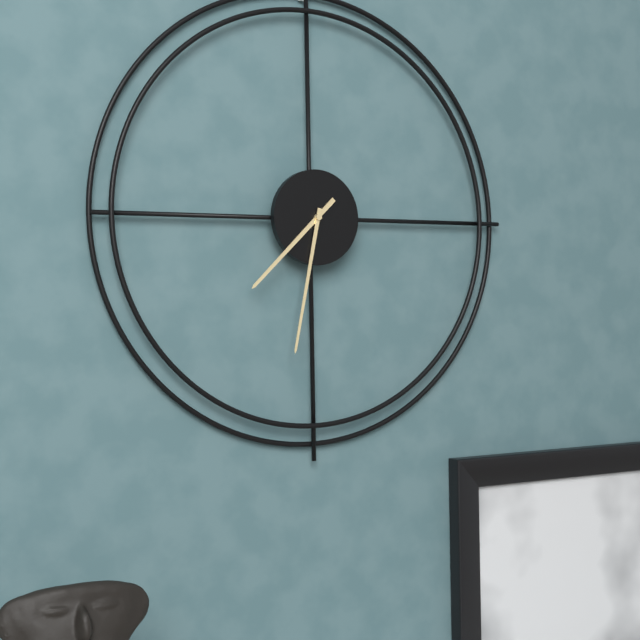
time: **7:32**
